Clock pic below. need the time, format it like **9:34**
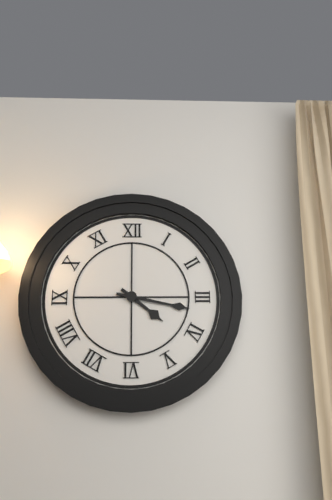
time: **4:17**
